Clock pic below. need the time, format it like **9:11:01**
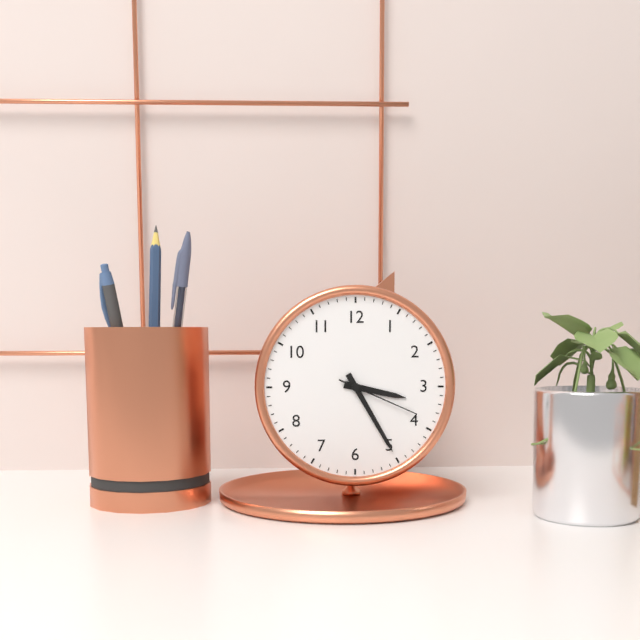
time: **3:25:19**
